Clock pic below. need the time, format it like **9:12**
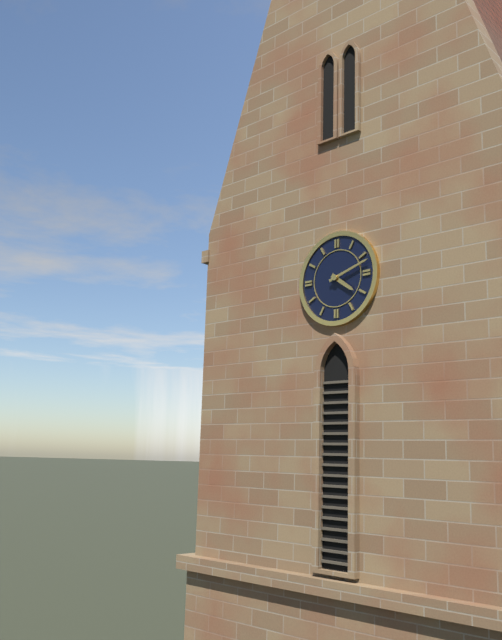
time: **4:12**
